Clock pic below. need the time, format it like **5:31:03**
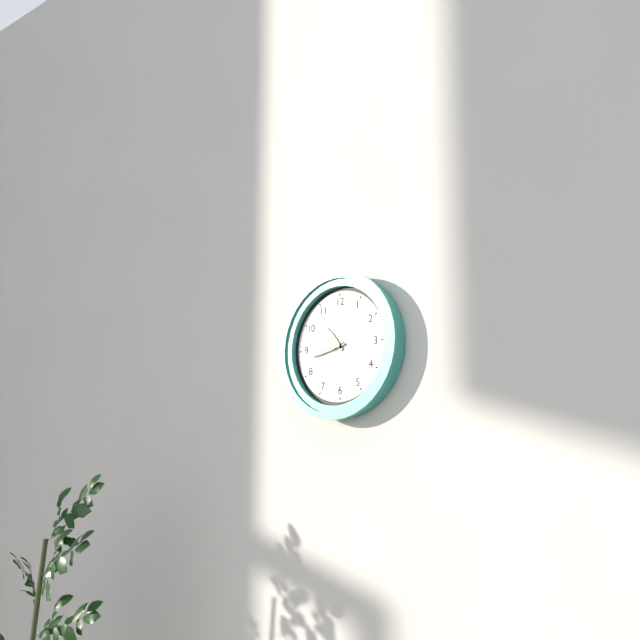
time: **10:43:11**
